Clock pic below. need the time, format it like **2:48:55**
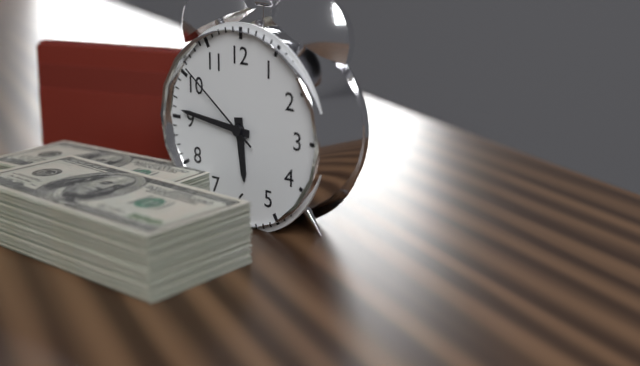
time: **5:46:51**
